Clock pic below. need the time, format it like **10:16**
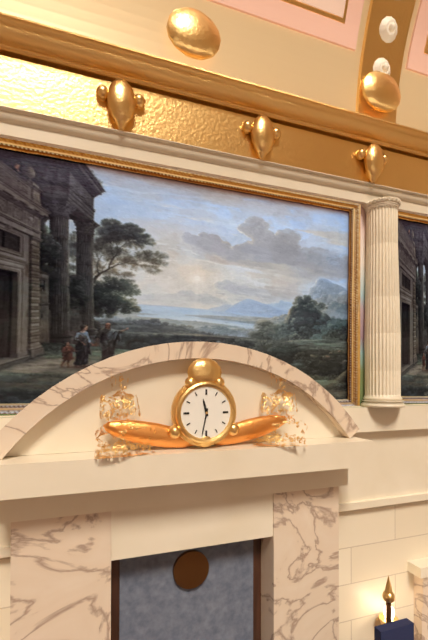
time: **11:32**
